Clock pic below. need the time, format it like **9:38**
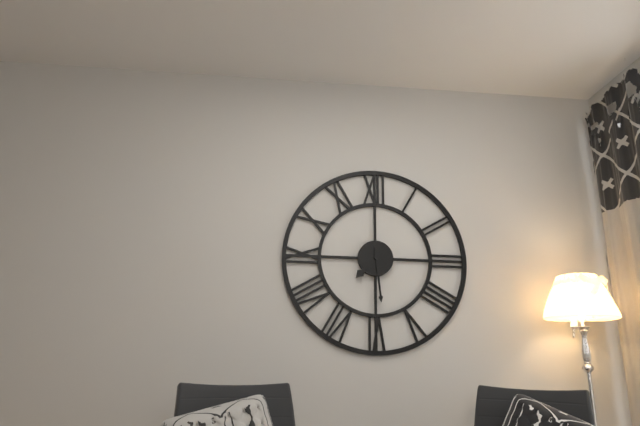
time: **7:29**
